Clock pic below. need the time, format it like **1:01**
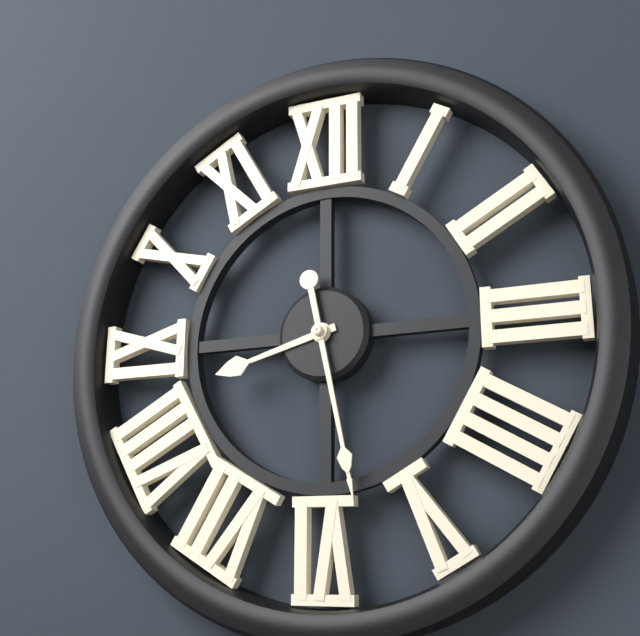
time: **8:28**
